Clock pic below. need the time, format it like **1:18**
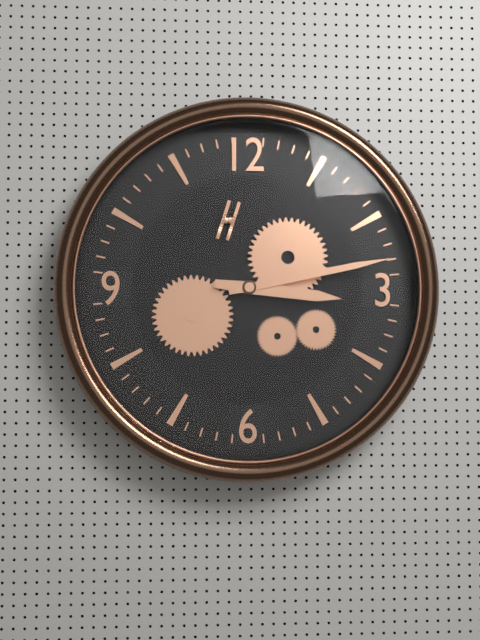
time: **3:13**
